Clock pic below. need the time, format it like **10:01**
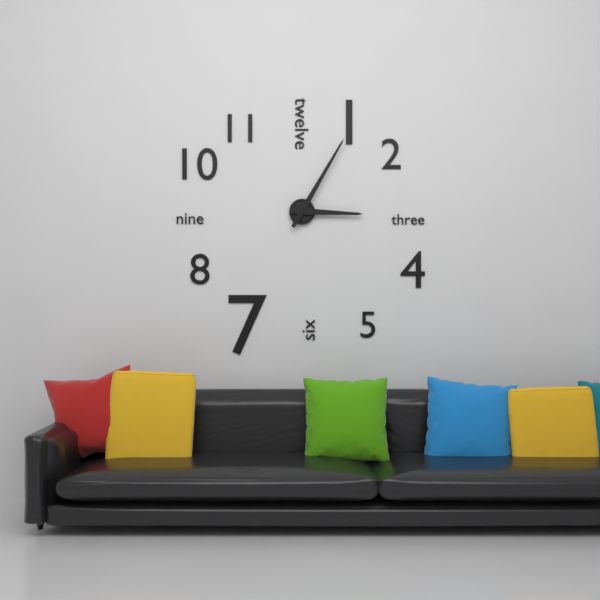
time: **3:05**
